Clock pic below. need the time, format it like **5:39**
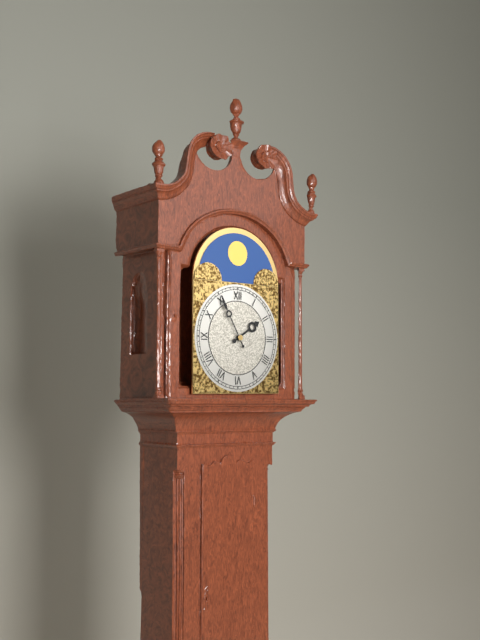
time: **1:55**
